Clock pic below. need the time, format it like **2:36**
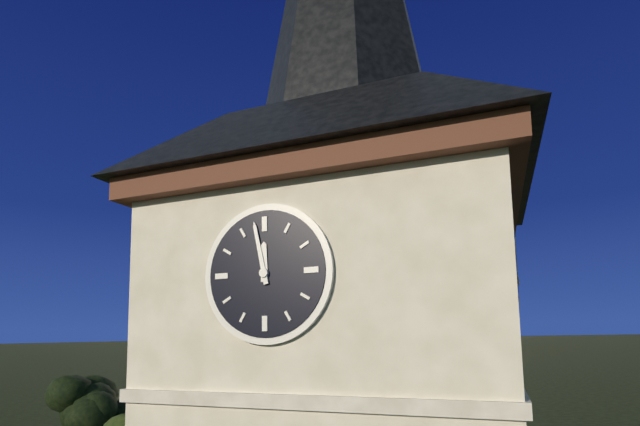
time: **11:58**
